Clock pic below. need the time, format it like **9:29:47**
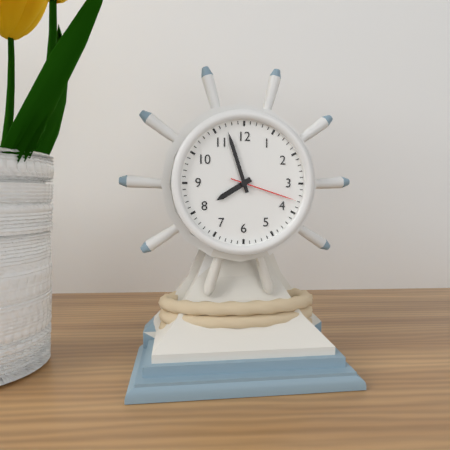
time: **7:57:18**
